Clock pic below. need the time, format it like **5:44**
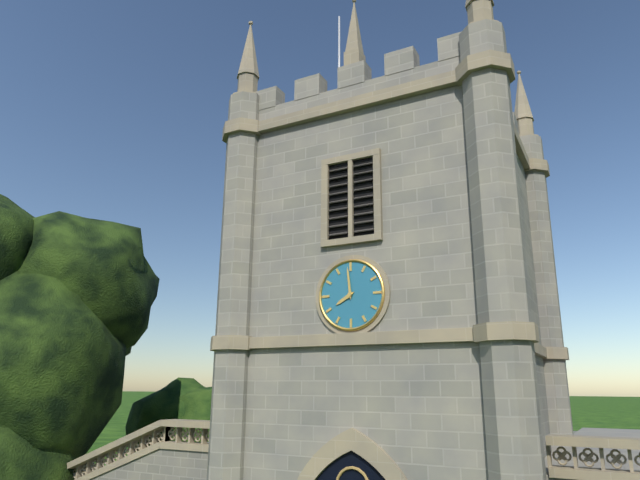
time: **7:59**
